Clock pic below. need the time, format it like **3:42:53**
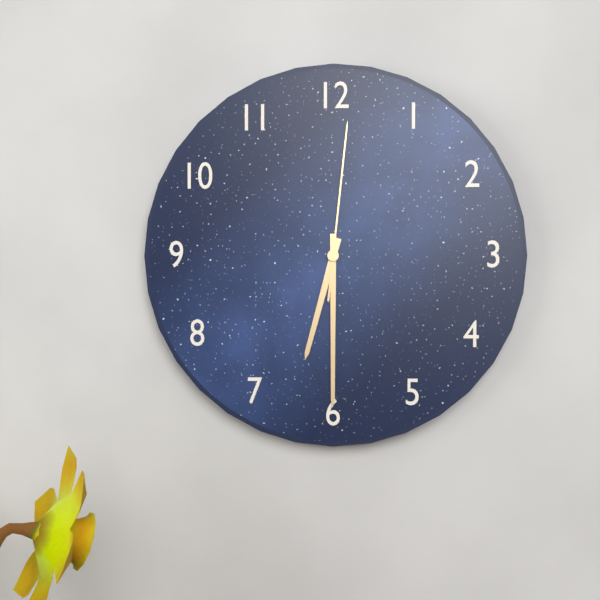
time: **6:30:01**
